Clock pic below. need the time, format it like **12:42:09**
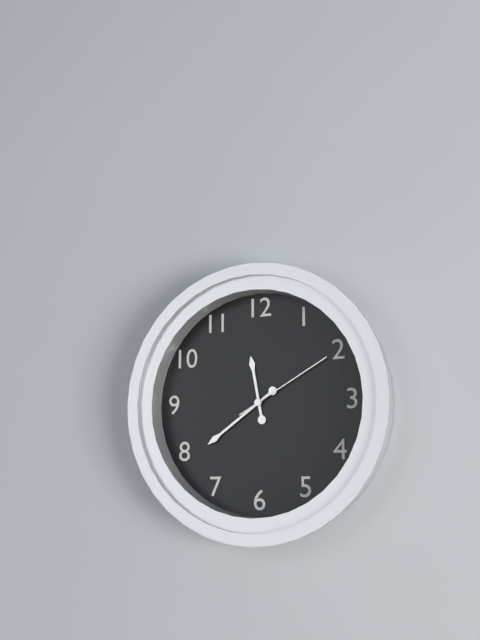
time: **11:39:10**
